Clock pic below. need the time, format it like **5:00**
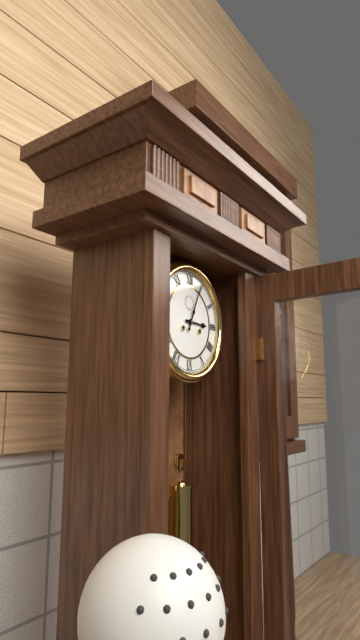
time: **3:04**
